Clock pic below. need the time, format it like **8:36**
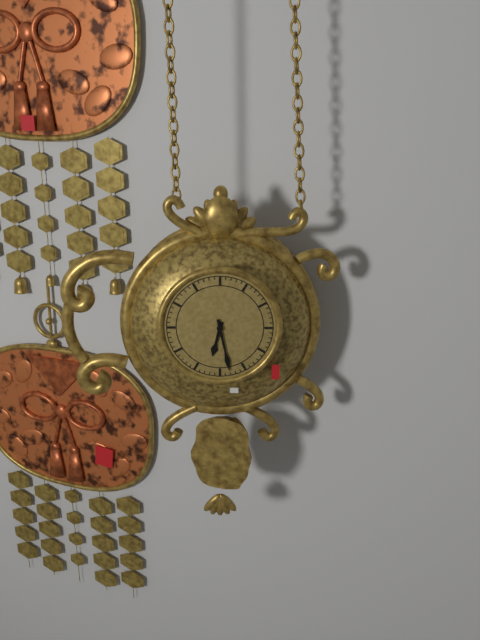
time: **6:28**
